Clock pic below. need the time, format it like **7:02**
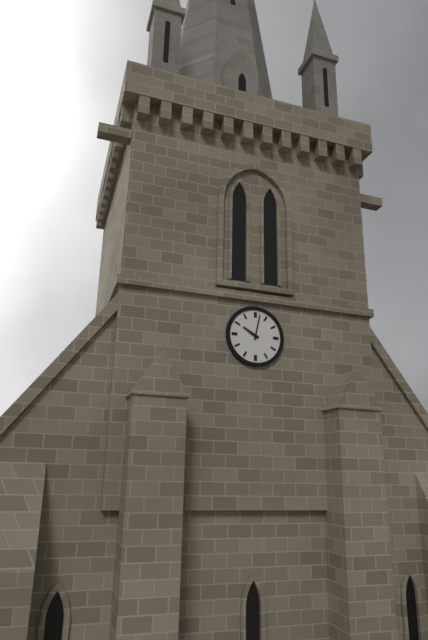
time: **10:02**
